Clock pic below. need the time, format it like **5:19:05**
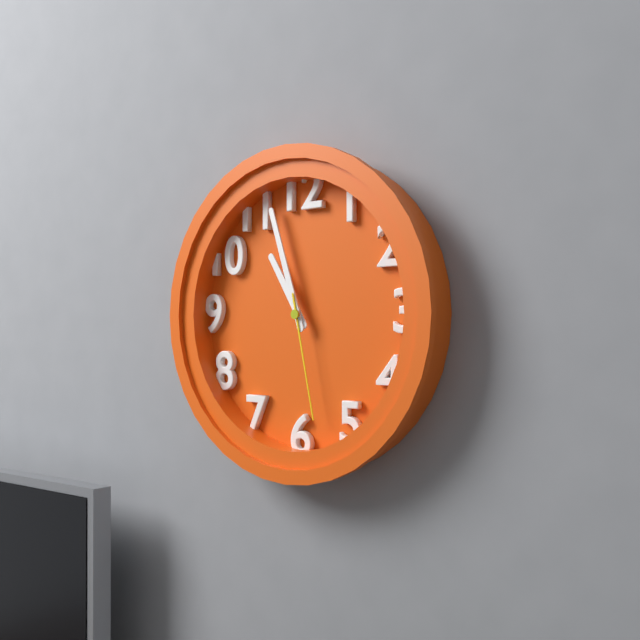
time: **10:57:28**
